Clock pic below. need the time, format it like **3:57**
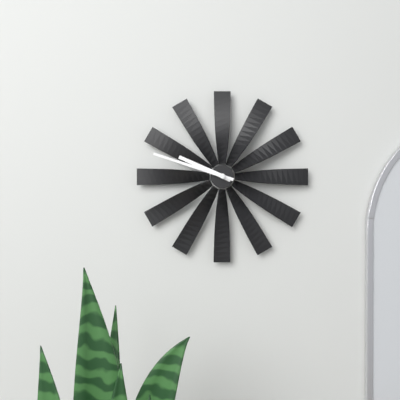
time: **9:48**
